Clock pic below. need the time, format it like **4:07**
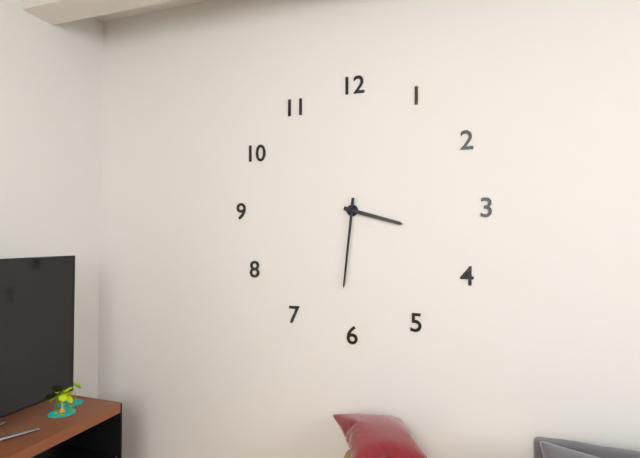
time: **3:31**
